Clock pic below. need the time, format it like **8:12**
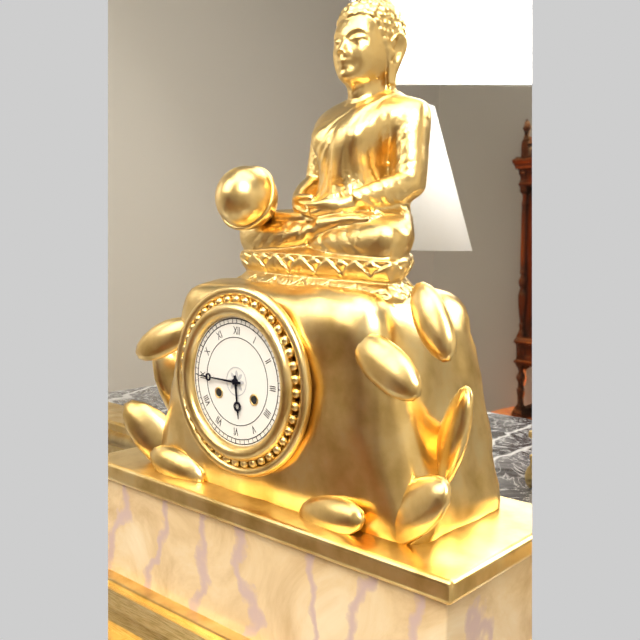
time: **5:45**
